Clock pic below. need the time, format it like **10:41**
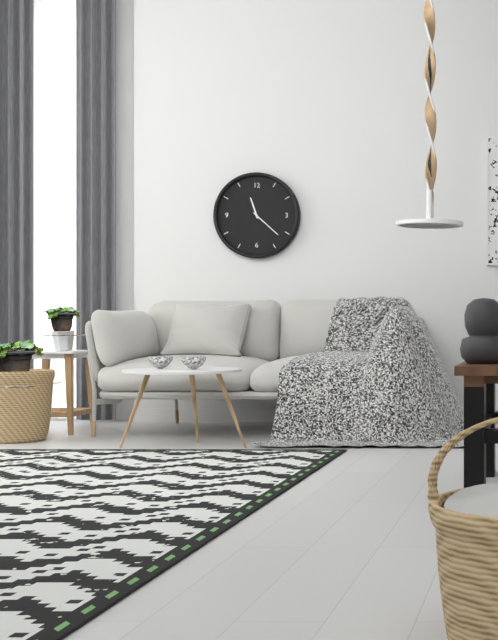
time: **11:22**
